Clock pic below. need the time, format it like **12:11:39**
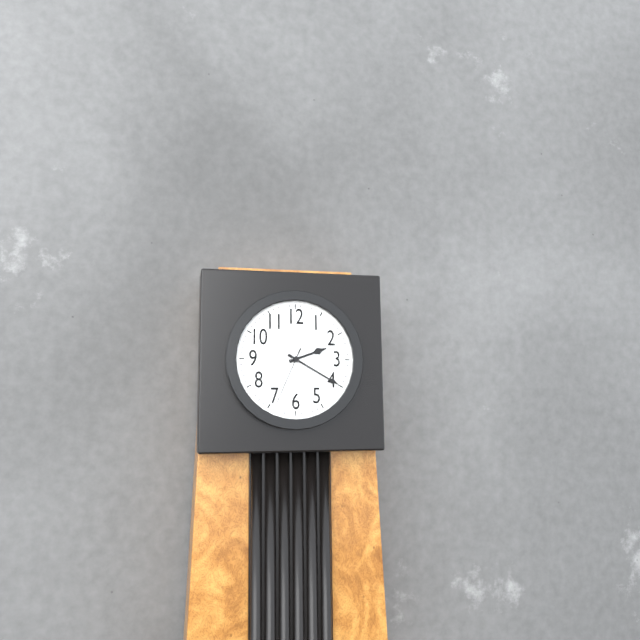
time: **2:20:34**
